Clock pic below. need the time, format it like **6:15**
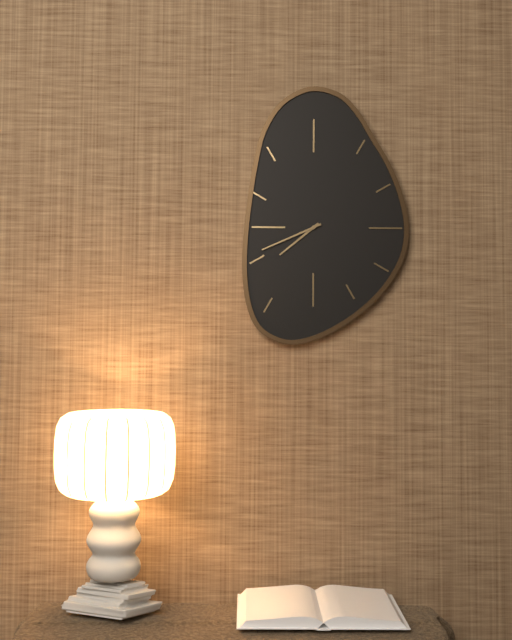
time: **7:41**
